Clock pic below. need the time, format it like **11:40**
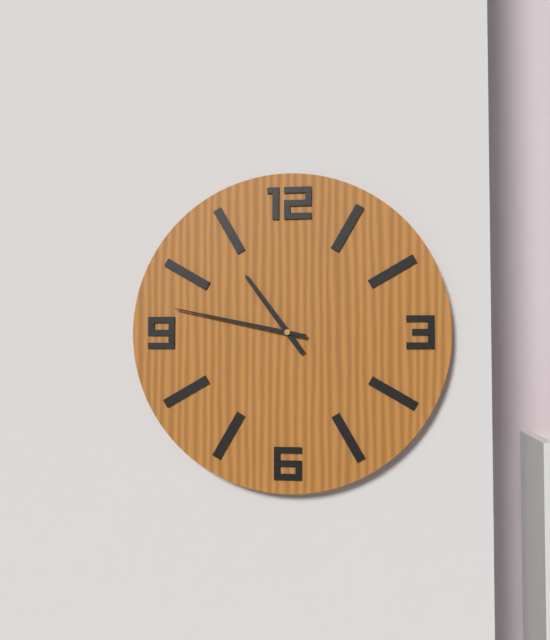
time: **10:47**
